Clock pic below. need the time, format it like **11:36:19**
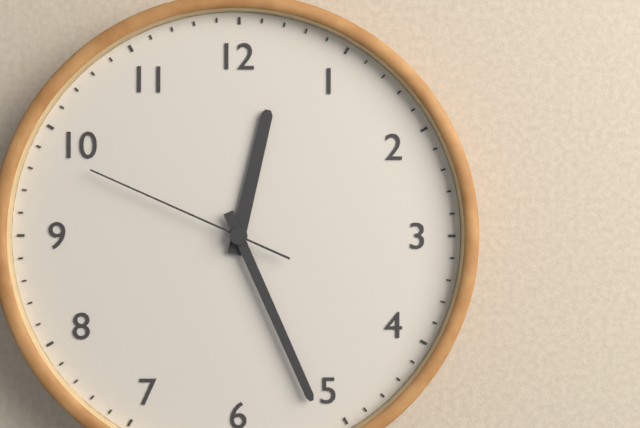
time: **12:26:49**
